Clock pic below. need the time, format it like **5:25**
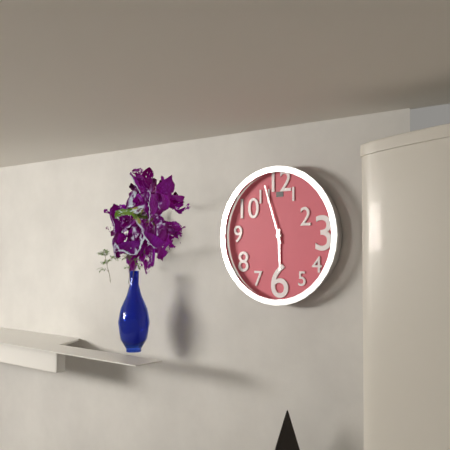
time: **5:57**
